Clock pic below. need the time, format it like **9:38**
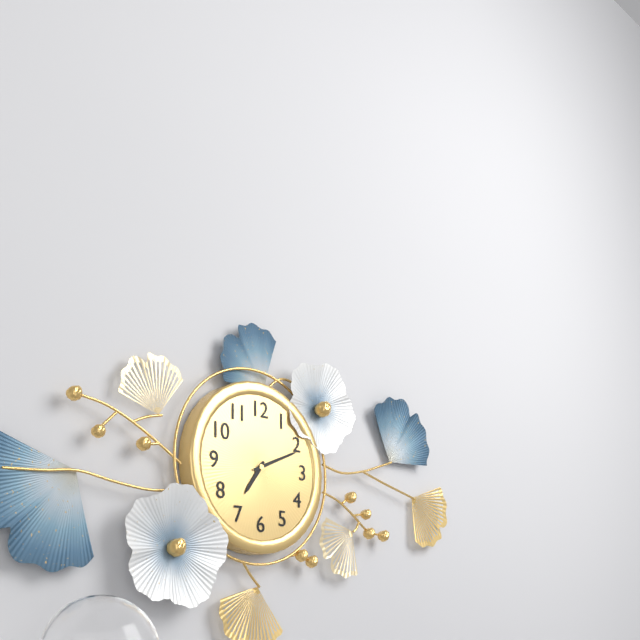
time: **7:11**
